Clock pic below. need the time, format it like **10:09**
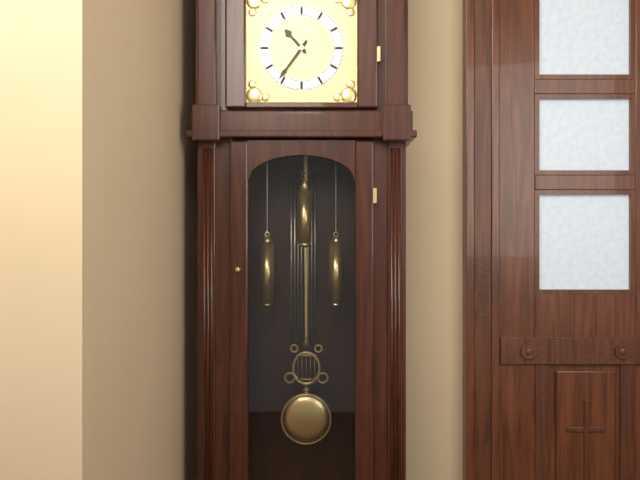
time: **10:36**
